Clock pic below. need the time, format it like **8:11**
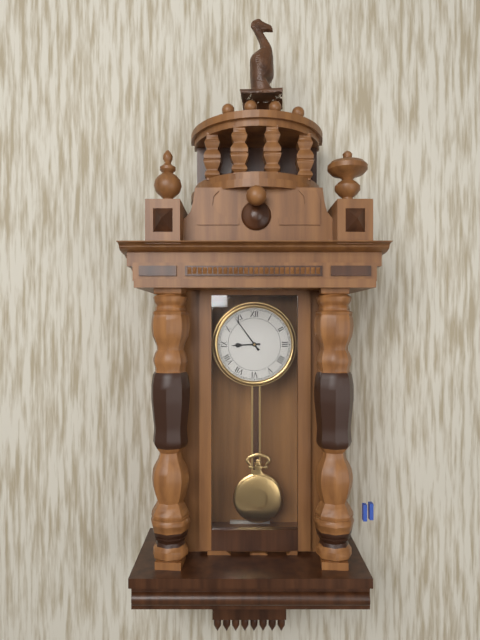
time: **8:54**
